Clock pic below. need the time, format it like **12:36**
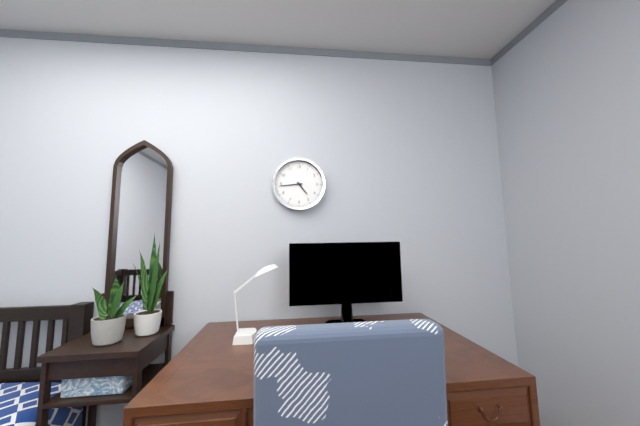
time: **4:44**
